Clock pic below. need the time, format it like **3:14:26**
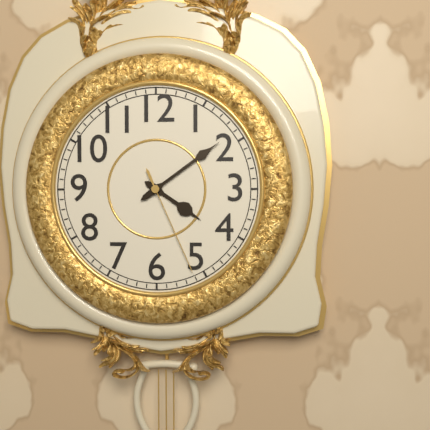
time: **4:09:26**
